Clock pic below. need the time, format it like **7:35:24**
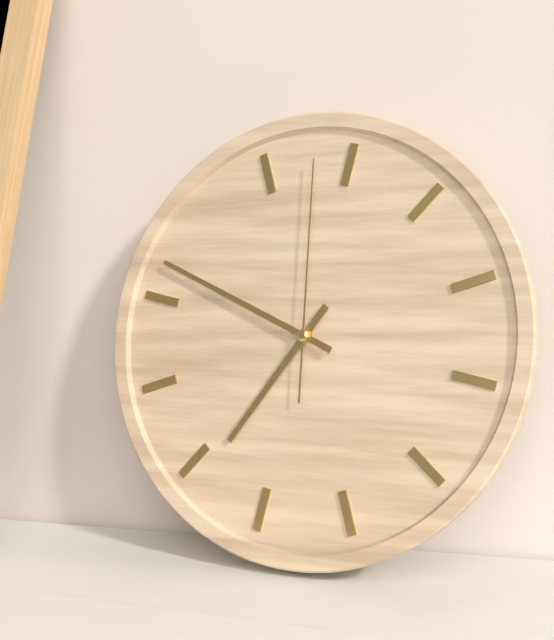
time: **6:47:58**
